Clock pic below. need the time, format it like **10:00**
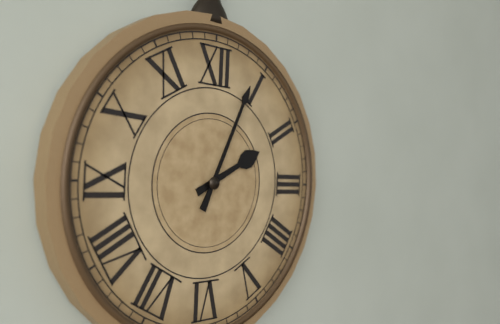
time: **2:04**
